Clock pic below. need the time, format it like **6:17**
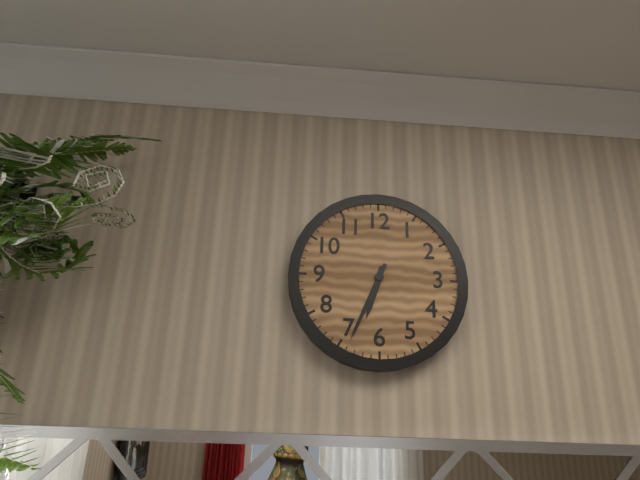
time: **6:34**
